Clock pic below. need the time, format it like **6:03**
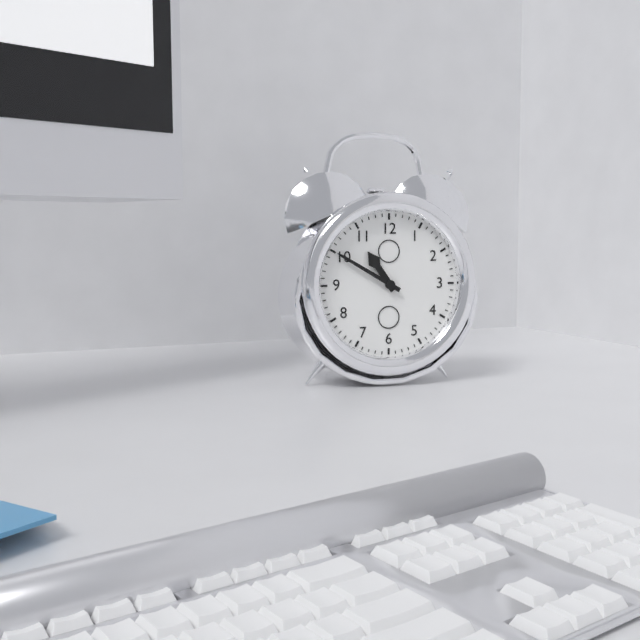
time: **10:50**
